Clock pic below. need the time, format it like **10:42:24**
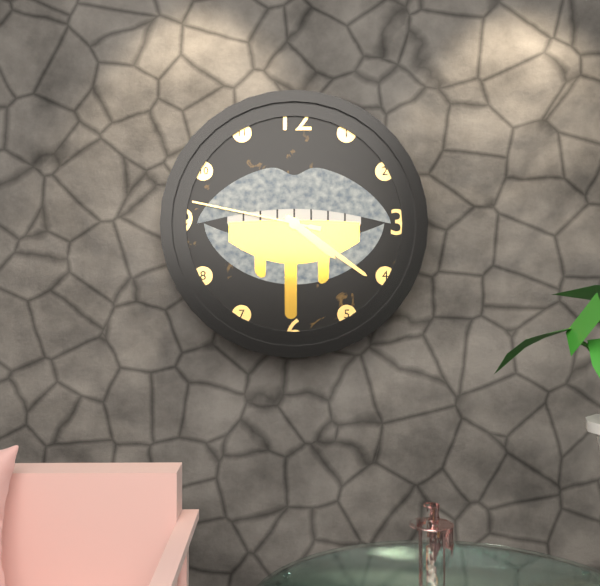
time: **4:21:47**
